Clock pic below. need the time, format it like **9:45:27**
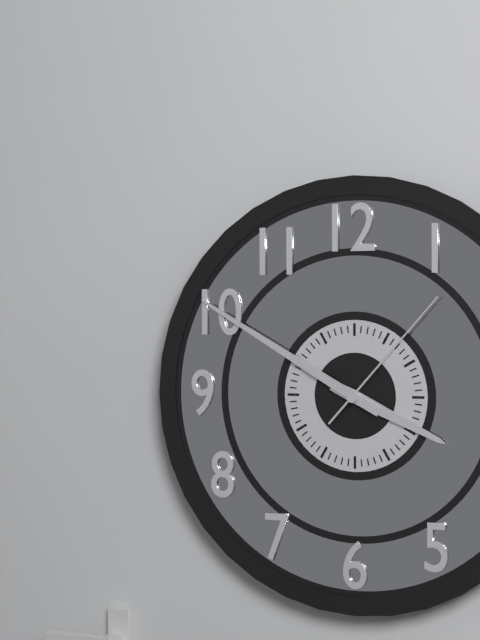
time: **3:50:07**
